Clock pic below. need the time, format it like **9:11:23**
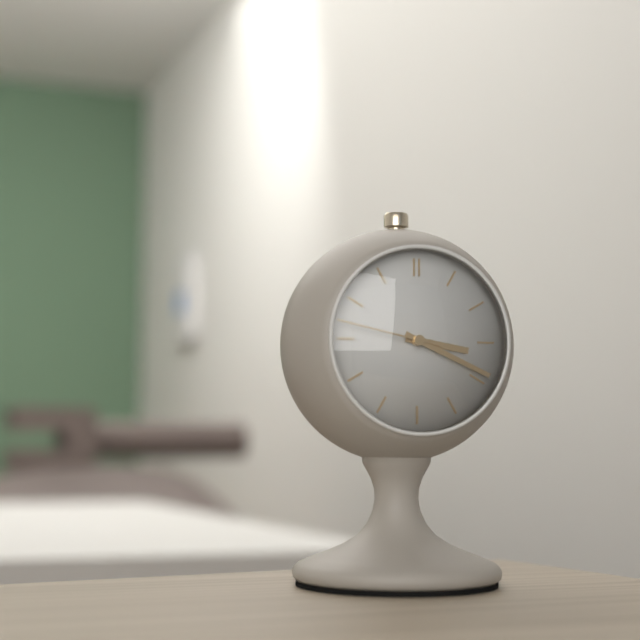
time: **3:19:47**
